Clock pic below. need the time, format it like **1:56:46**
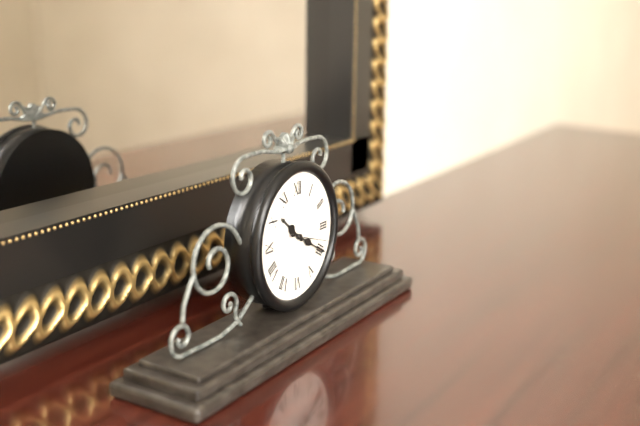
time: **10:20:18**
